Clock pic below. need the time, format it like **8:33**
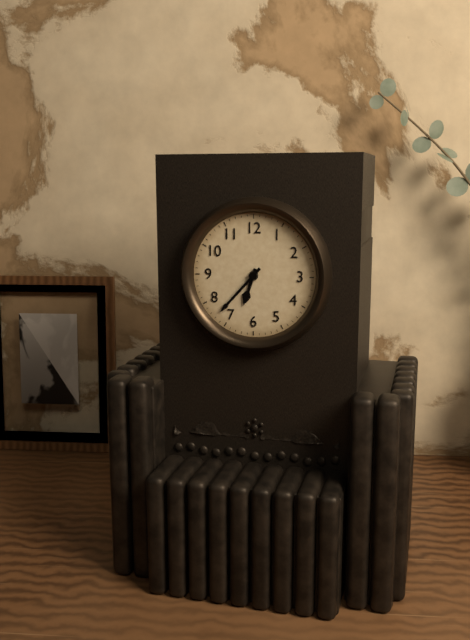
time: **6:37**
